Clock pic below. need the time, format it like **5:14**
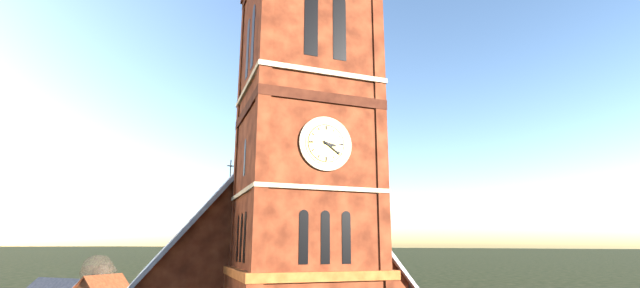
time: **3:21**
